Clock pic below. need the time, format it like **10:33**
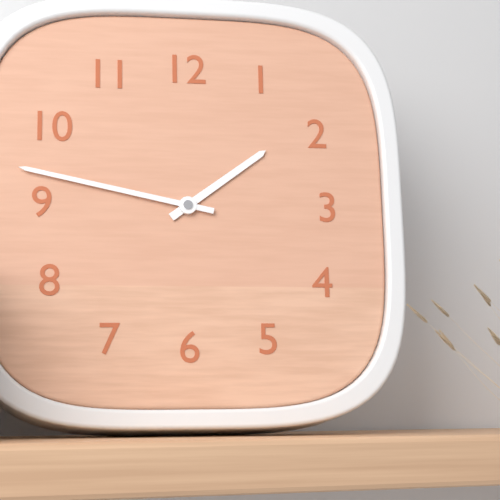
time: **1:47**
